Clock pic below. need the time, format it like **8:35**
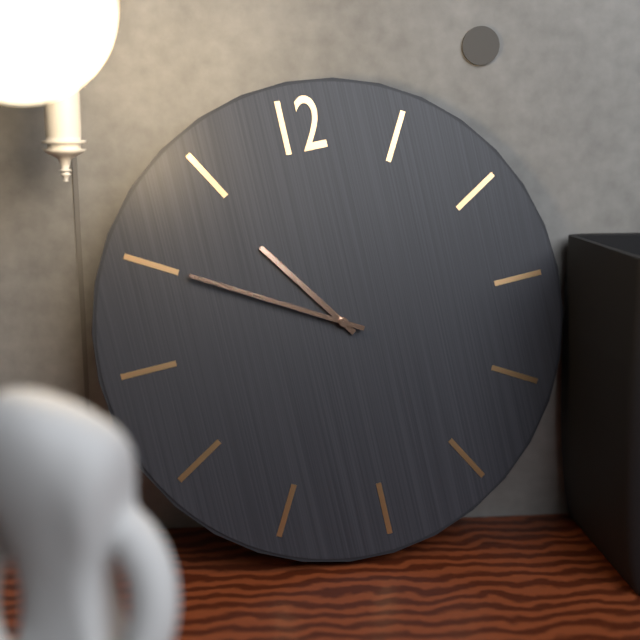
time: **10:50**
